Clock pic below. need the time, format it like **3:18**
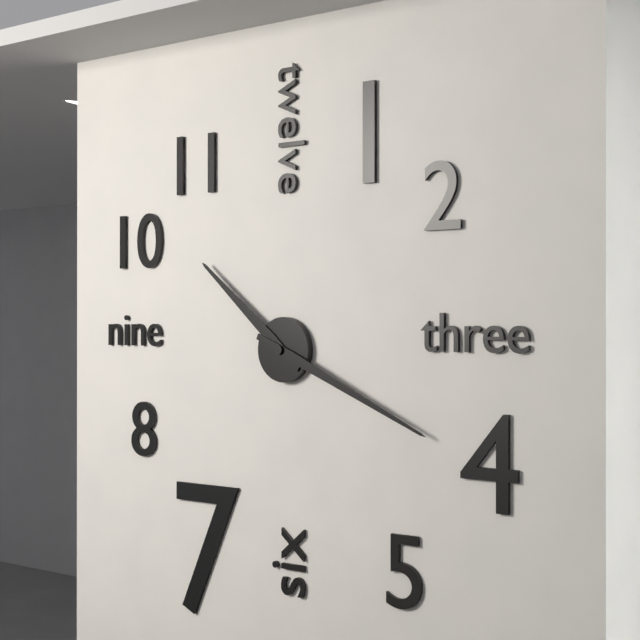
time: **10:19**
